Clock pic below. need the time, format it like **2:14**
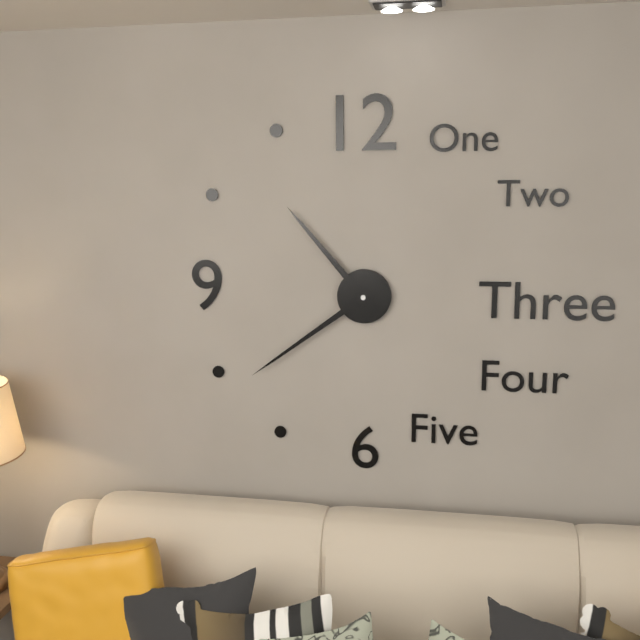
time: **10:39**
